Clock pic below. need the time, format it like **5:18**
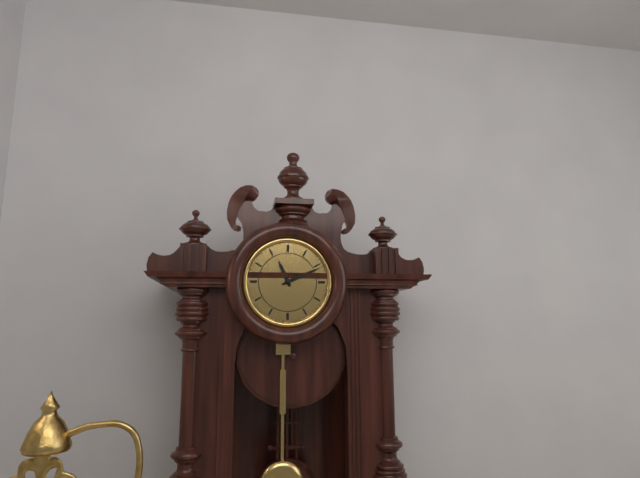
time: **11:11**
